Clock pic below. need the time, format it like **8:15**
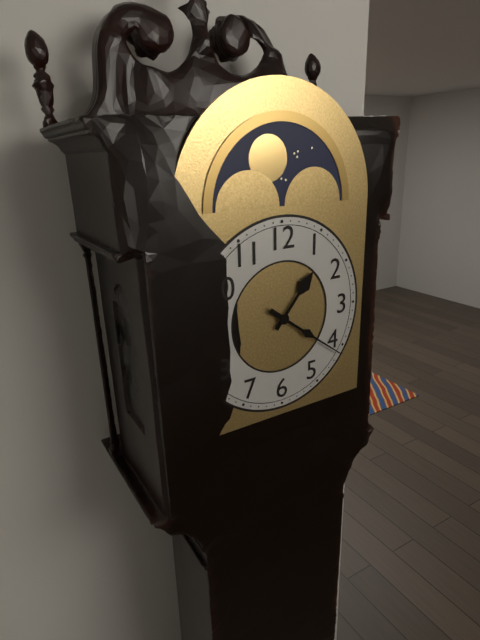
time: **1:21**
